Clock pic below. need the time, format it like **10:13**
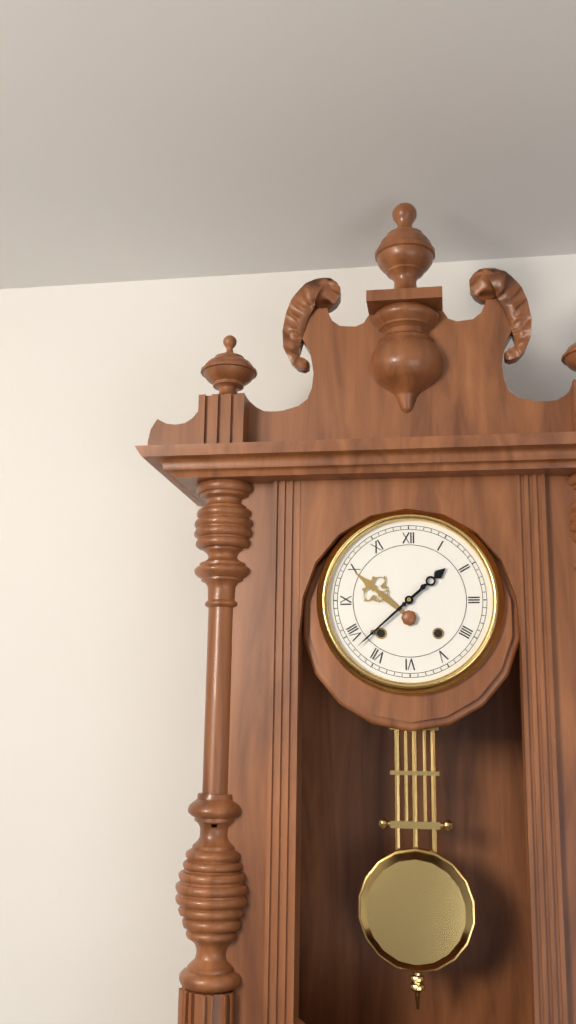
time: **1:38**
